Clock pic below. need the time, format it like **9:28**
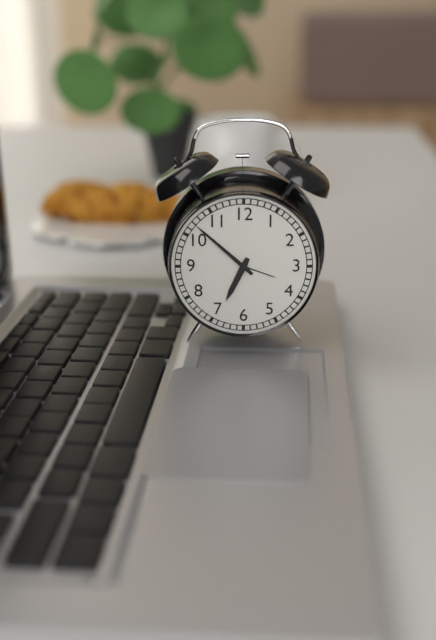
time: **6:52**
